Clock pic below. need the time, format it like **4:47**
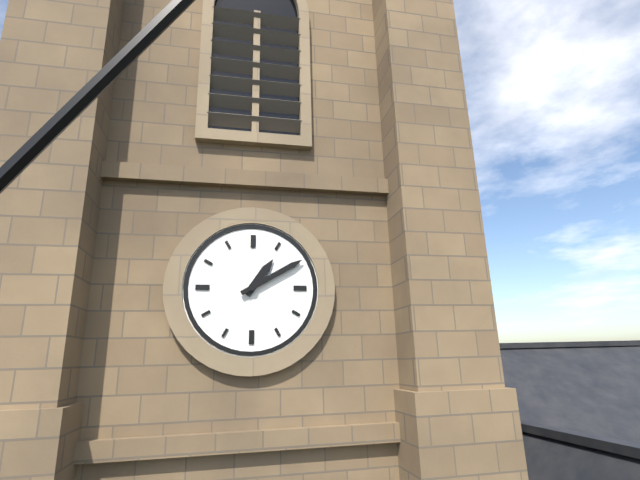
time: **1:10**
